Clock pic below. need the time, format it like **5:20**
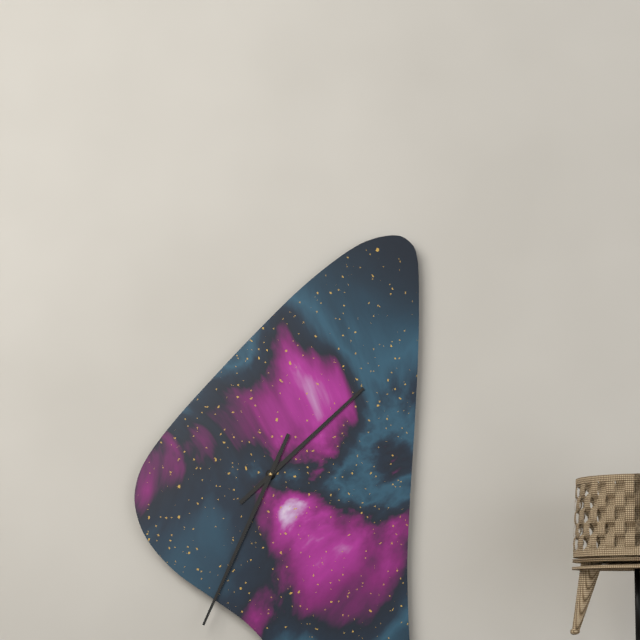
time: **1:34**
